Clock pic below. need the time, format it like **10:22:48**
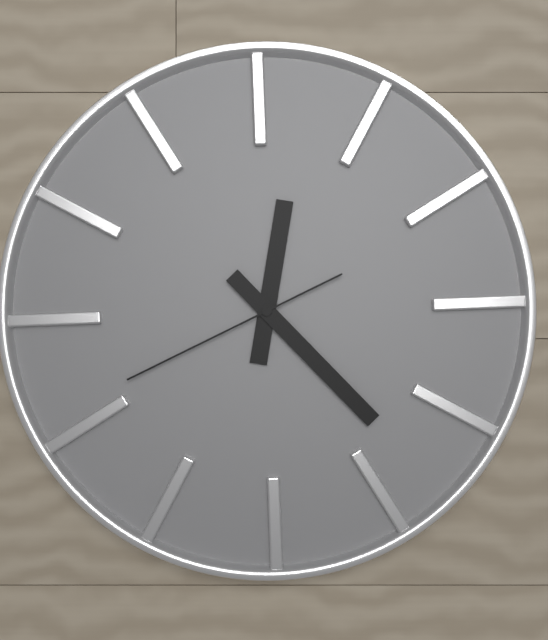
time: **12:23:41**
